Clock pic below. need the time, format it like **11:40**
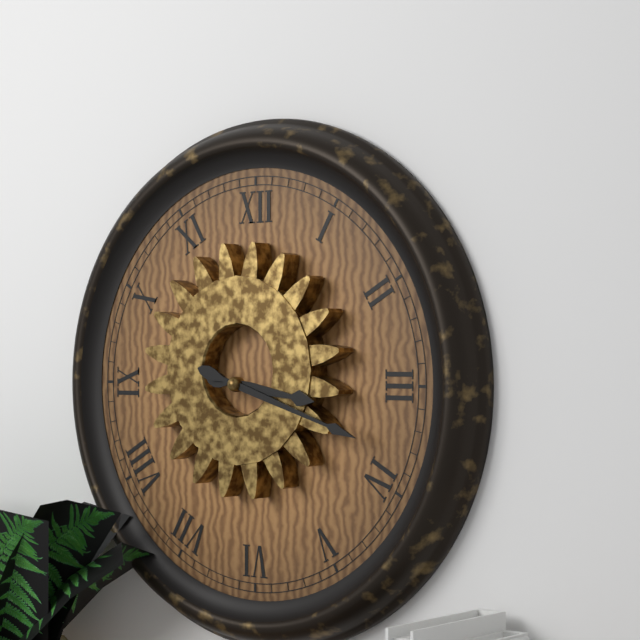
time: **3:18**
